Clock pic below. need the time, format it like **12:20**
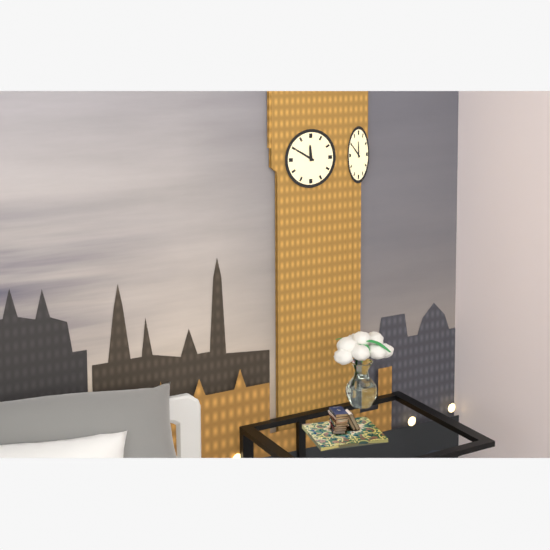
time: **11:50**
